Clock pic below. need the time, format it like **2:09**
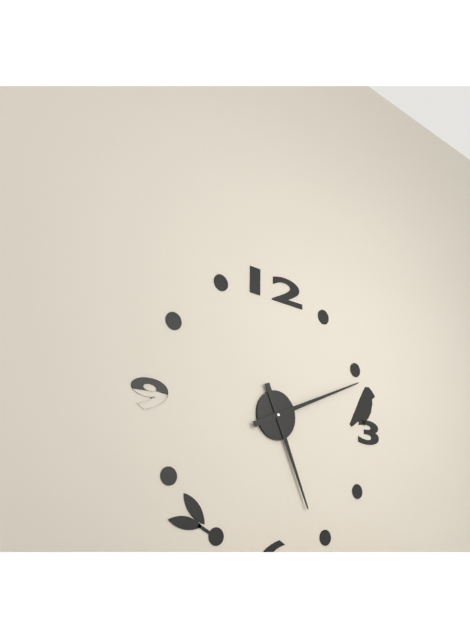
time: **5:11**
